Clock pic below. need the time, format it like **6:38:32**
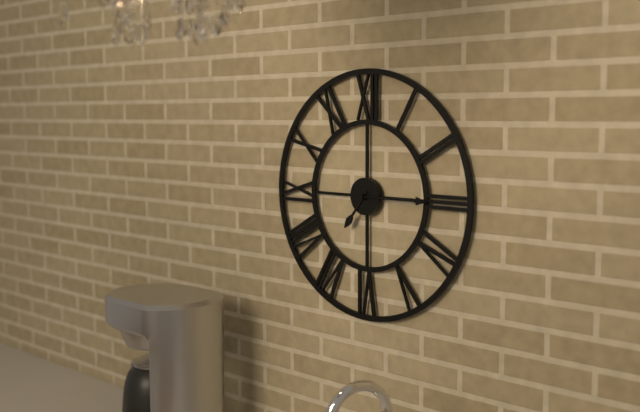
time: **7:15:15**
